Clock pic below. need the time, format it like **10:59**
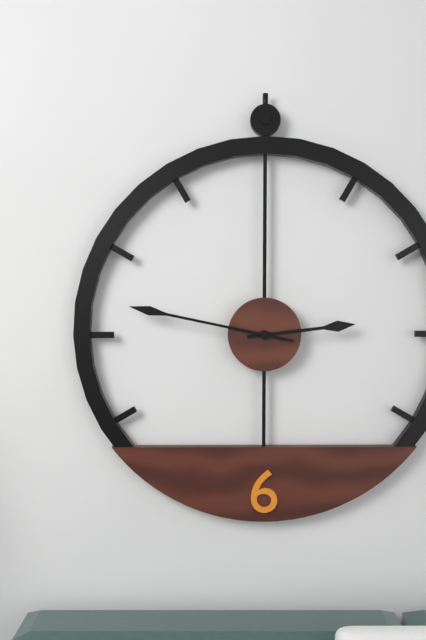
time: **2:47**
